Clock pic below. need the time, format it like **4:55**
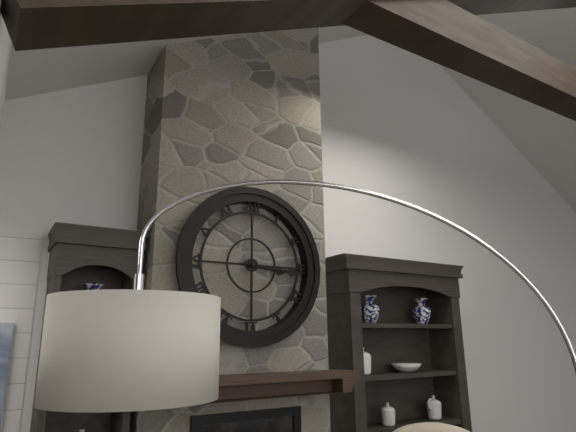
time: **3:16**
